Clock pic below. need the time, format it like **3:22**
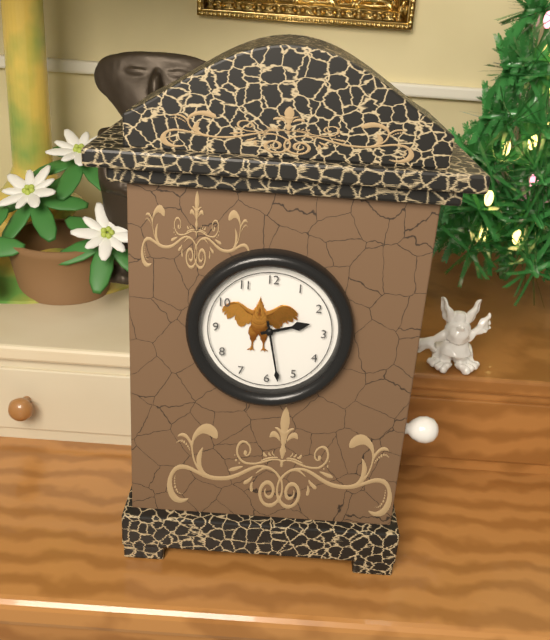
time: **2:28**
